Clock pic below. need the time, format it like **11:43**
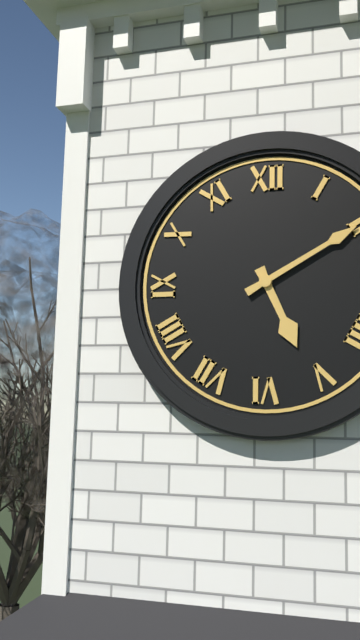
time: **5:10**
